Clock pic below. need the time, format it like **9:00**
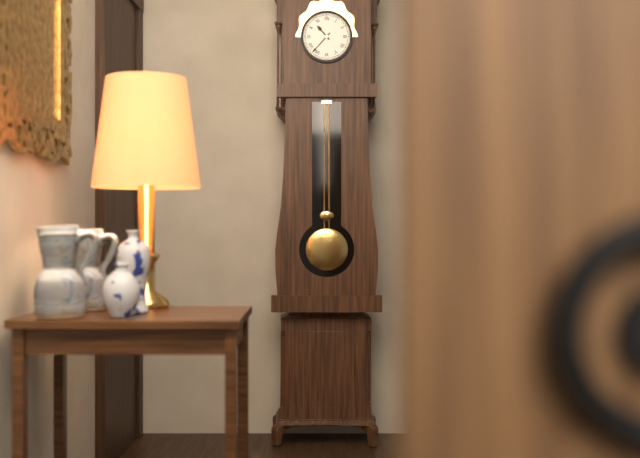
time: **10:37**
